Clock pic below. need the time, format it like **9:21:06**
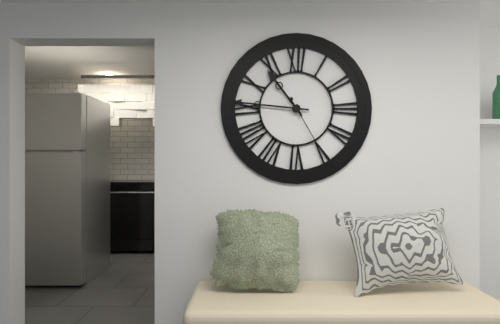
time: **10:46:25**
